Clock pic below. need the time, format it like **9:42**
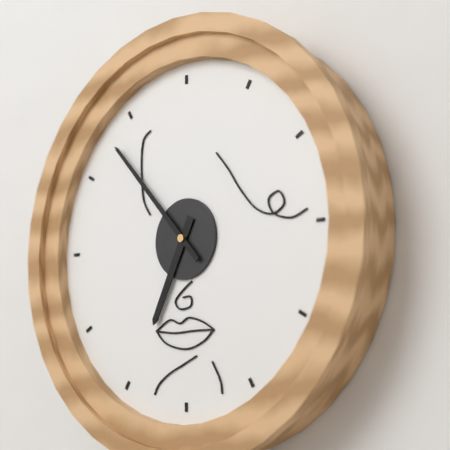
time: **6:53**
